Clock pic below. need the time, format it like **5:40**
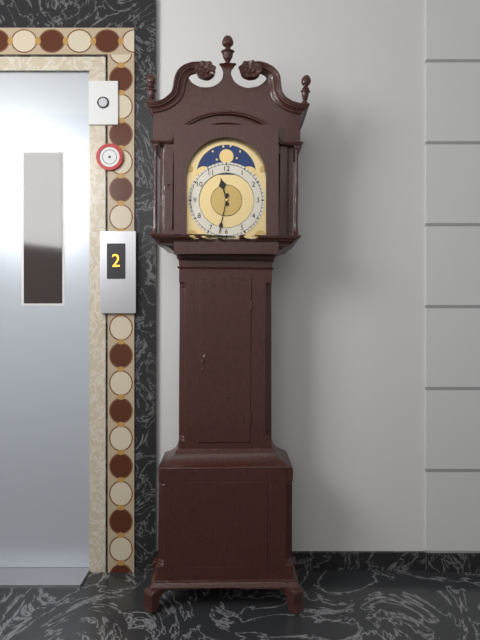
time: **11:32**
